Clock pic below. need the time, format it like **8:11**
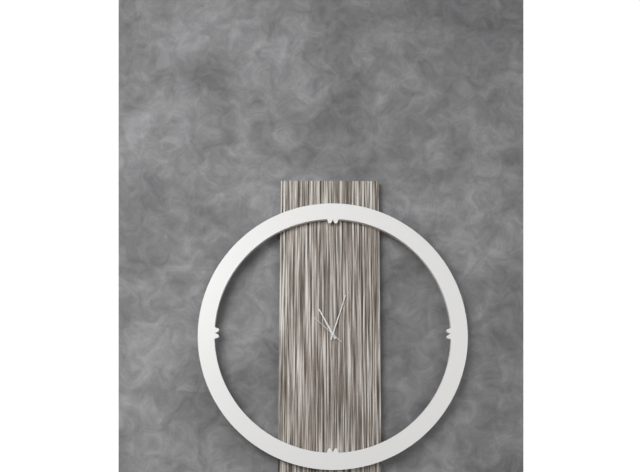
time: **11:03**
